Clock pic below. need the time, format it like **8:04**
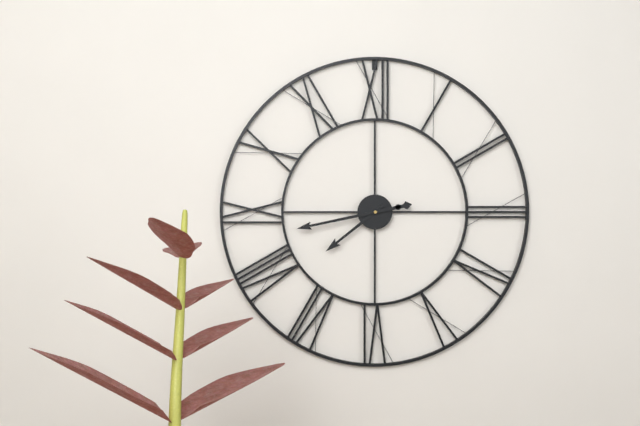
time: **7:43**
